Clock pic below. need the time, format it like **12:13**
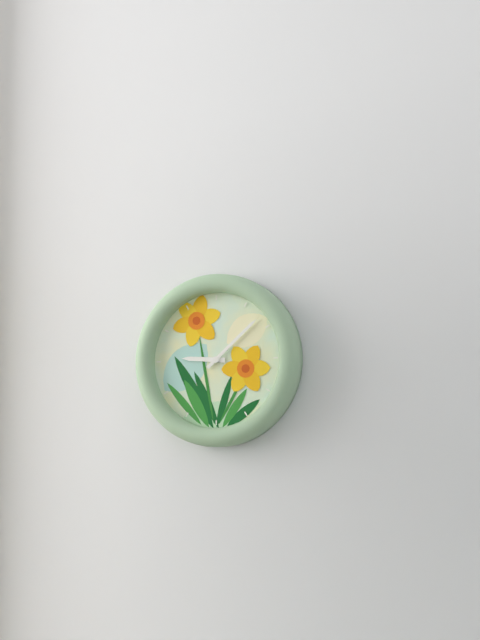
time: **9:08**
